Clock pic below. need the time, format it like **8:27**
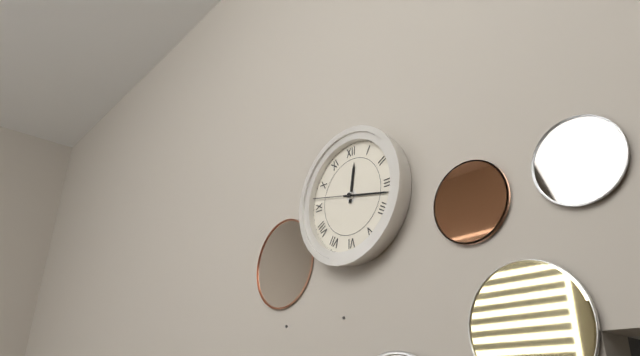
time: **12:17**
